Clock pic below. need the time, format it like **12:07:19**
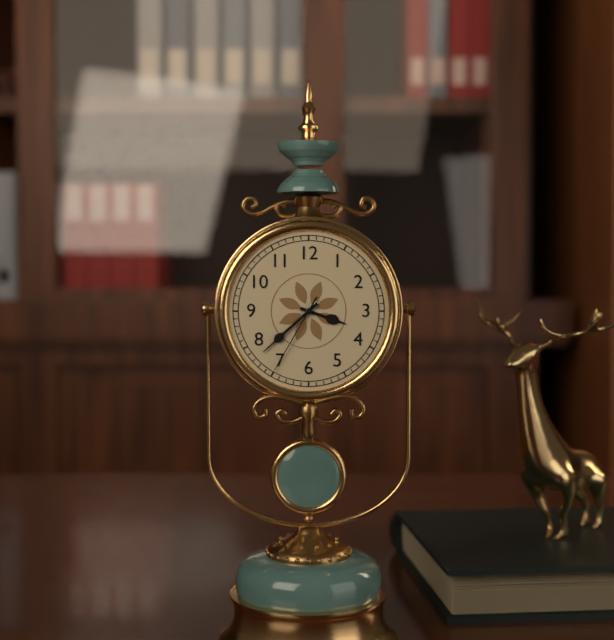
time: **3:38:35**
